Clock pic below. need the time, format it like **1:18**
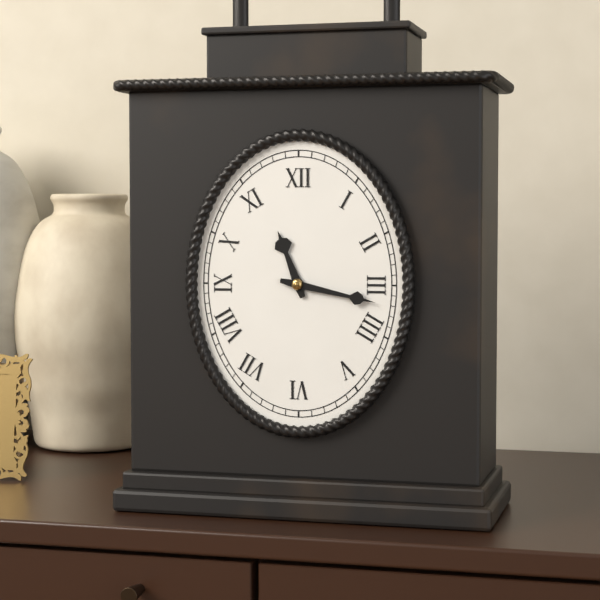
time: **11:17**
